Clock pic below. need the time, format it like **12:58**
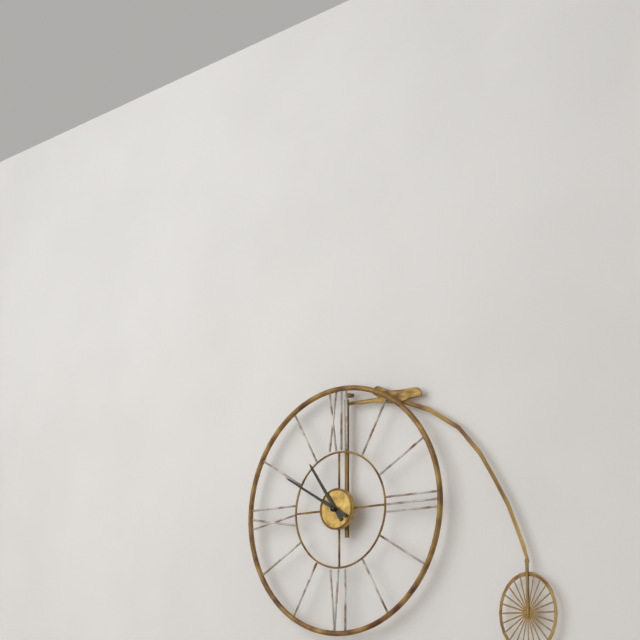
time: **10:50**
